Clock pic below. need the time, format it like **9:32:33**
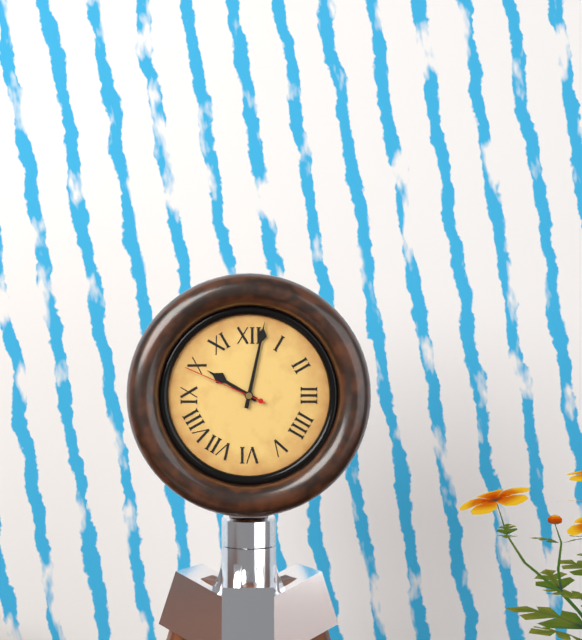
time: **10:02:49**
